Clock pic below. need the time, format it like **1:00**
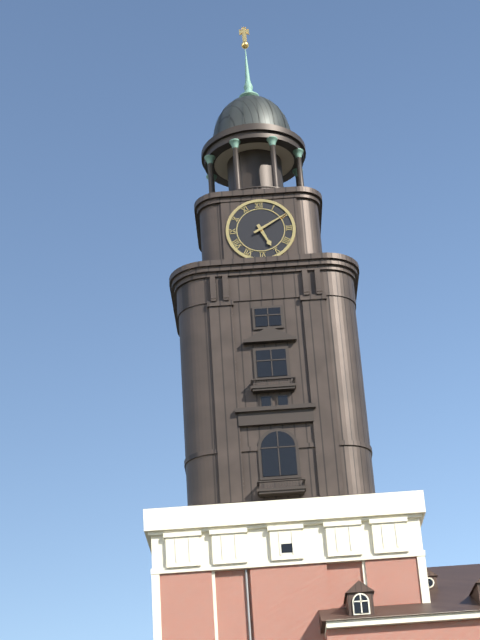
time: **5:10**
